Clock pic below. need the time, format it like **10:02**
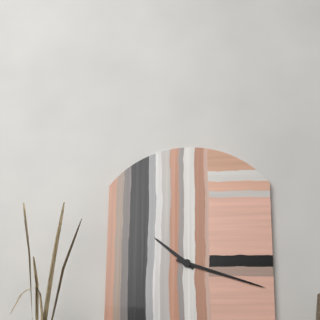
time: **10:18**
